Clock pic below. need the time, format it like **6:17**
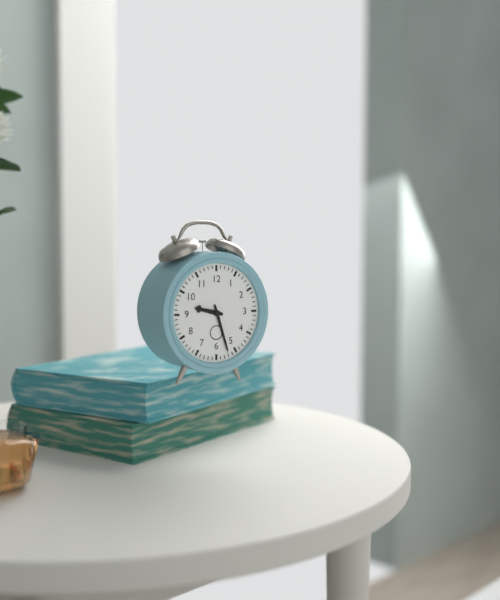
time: **9:27**
